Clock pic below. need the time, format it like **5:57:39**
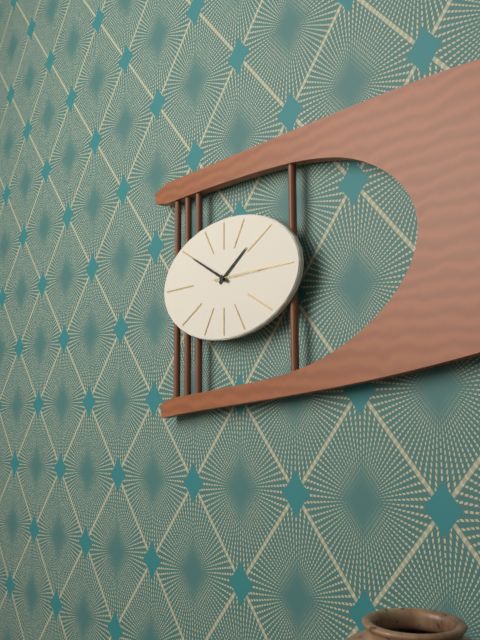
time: **1:50:15**
